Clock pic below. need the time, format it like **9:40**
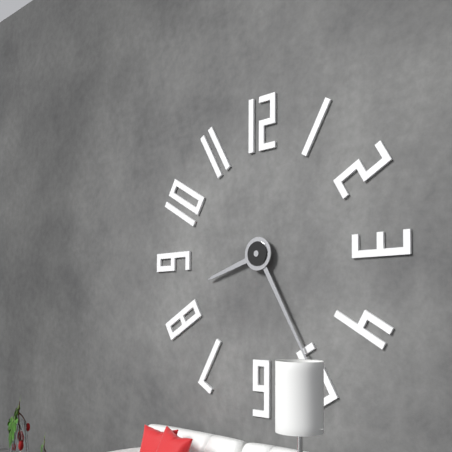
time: **8:25**
